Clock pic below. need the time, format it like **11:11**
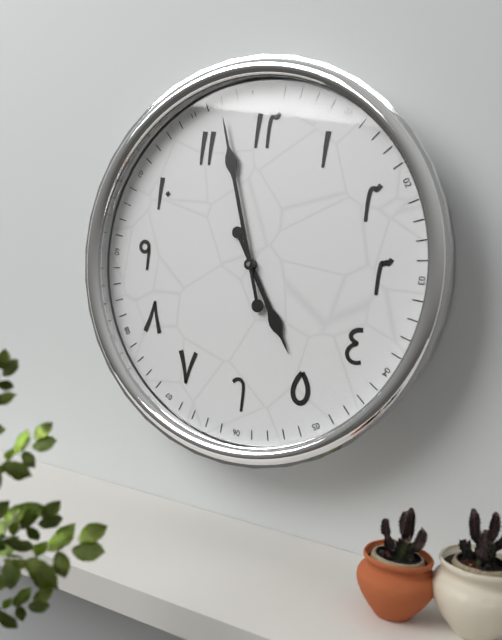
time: **4:57**
